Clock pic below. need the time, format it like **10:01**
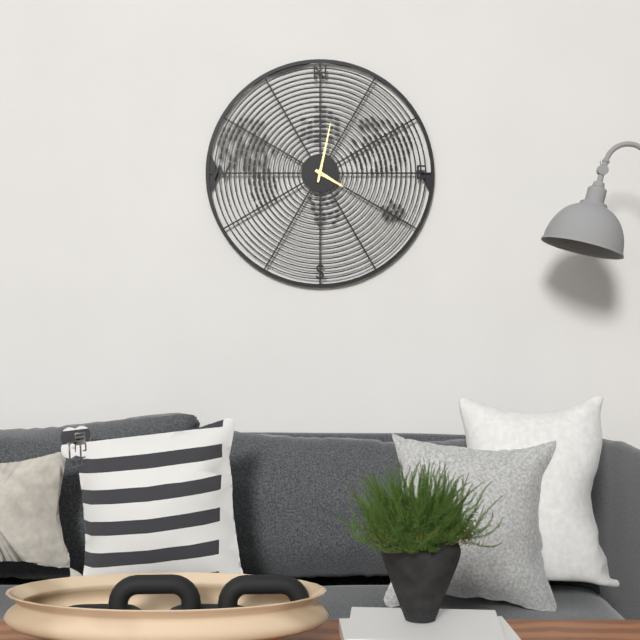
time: **4:02**
